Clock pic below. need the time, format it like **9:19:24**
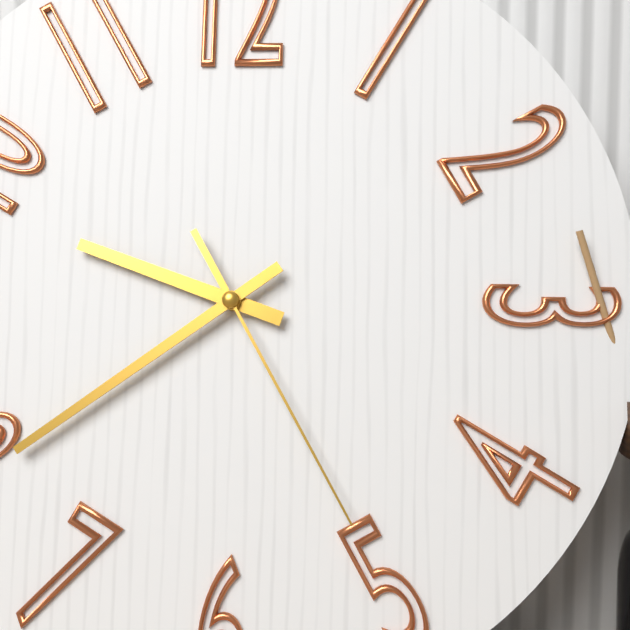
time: **9:39:25**
